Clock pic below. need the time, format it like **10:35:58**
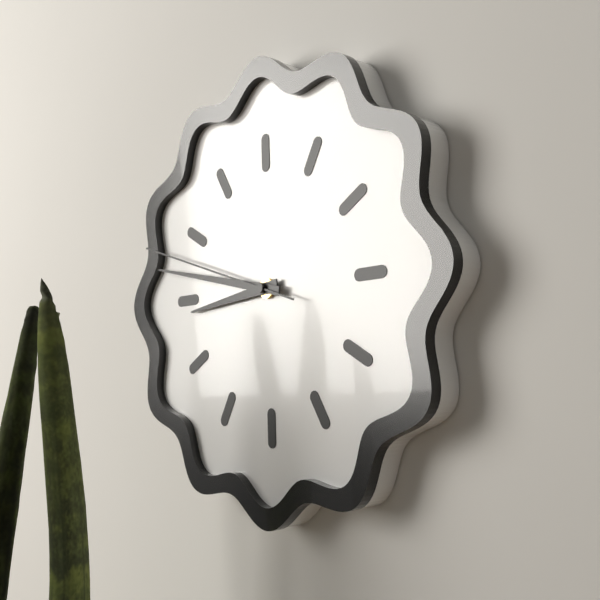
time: **8:47:48**
